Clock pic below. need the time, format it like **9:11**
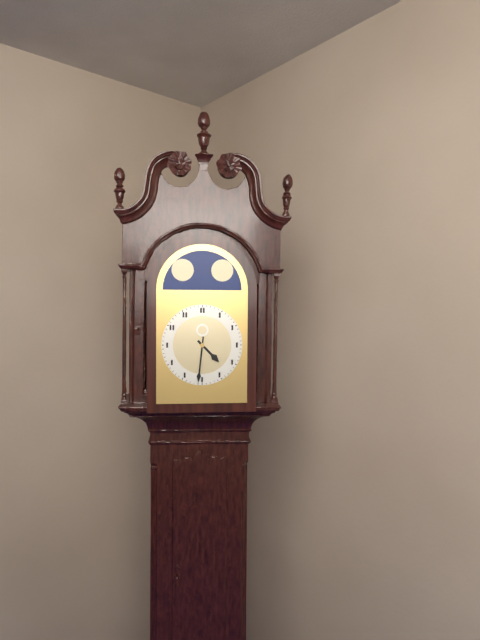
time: **4:31**
